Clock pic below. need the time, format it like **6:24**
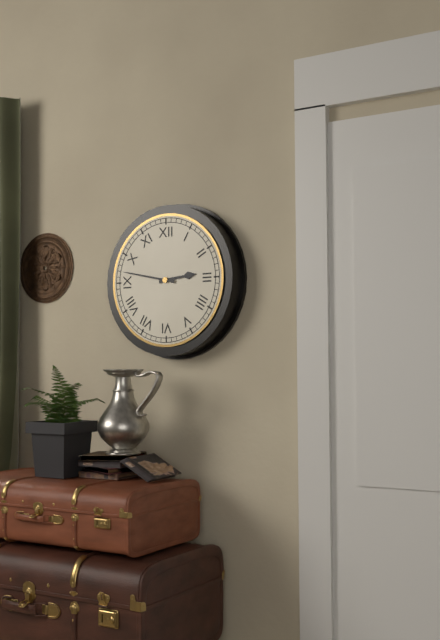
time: **2:47**
